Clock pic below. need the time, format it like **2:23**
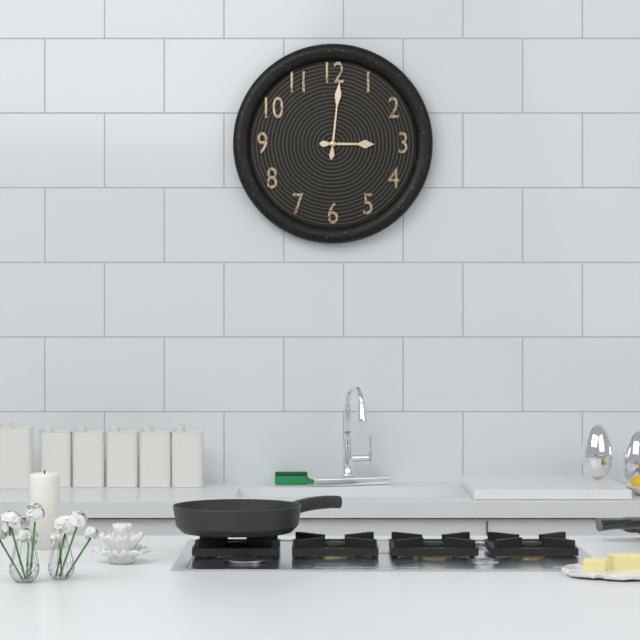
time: **3:01**
